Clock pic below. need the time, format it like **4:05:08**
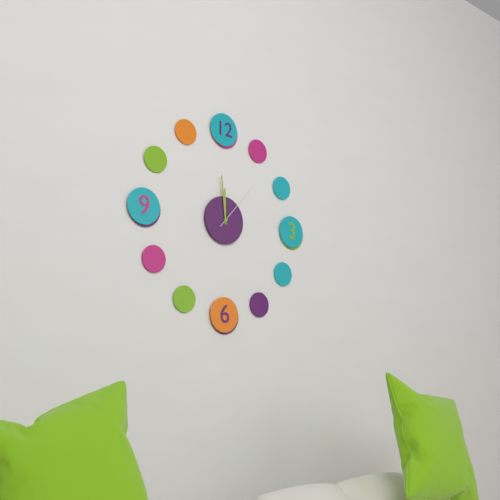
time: **11:59:07**
